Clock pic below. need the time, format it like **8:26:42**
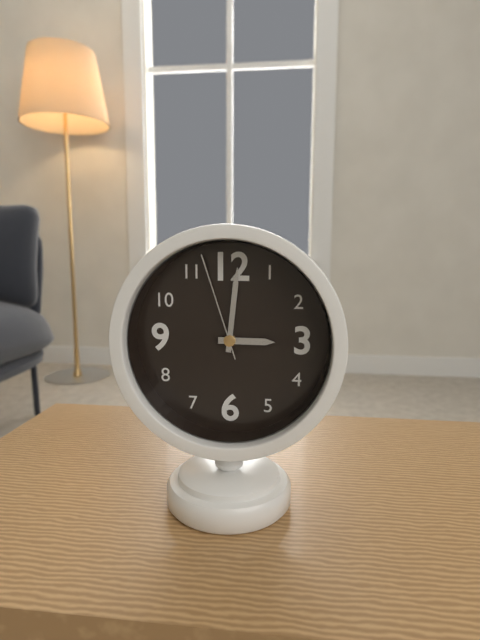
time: **3:01:57**
